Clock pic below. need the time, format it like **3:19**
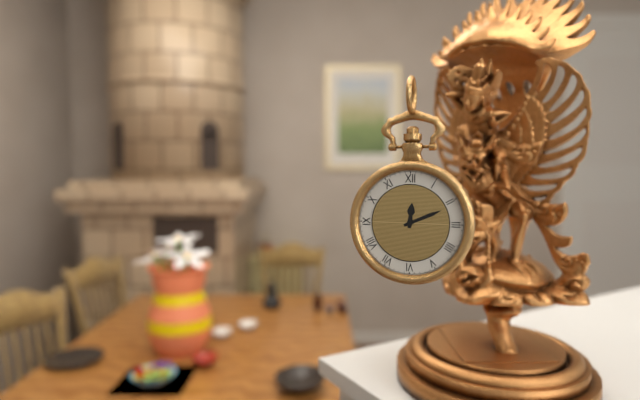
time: **12:11**
